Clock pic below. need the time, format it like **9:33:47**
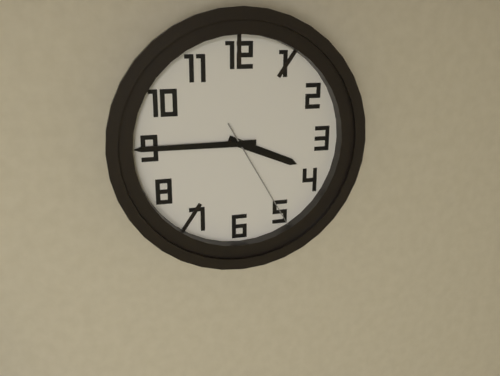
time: **3:45:25**
